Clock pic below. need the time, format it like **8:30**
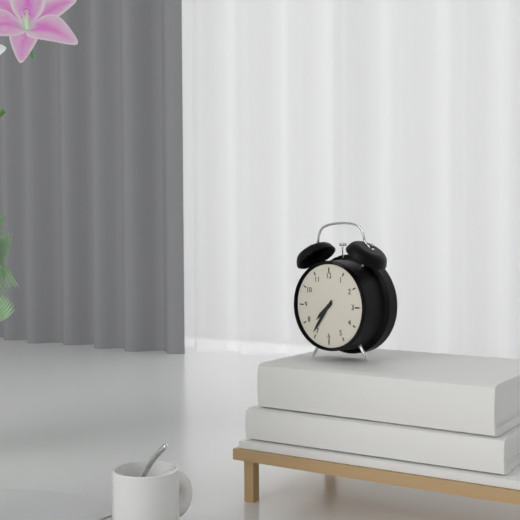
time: **7:36**
